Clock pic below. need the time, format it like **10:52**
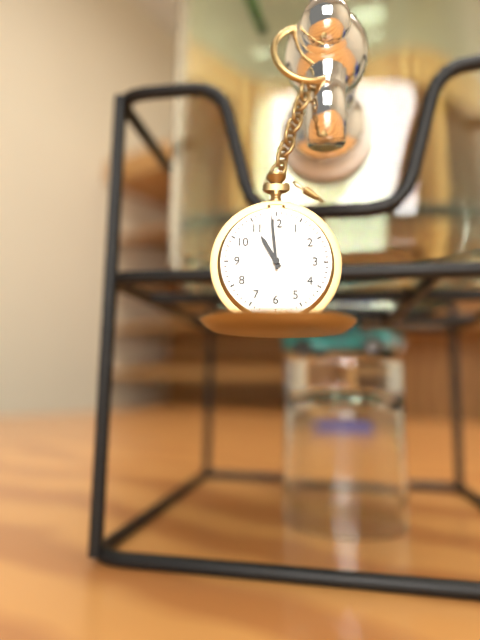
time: **10:59**
